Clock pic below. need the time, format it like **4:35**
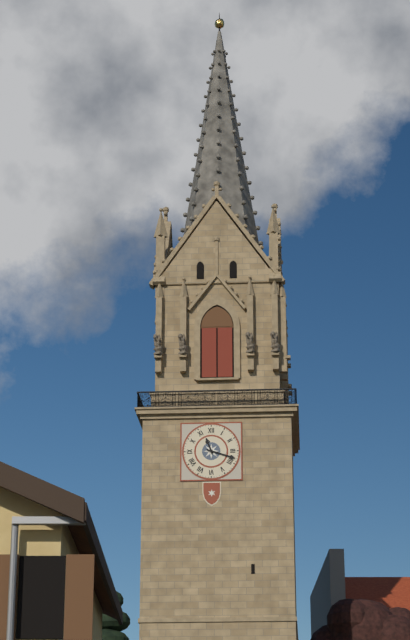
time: **11:18**
